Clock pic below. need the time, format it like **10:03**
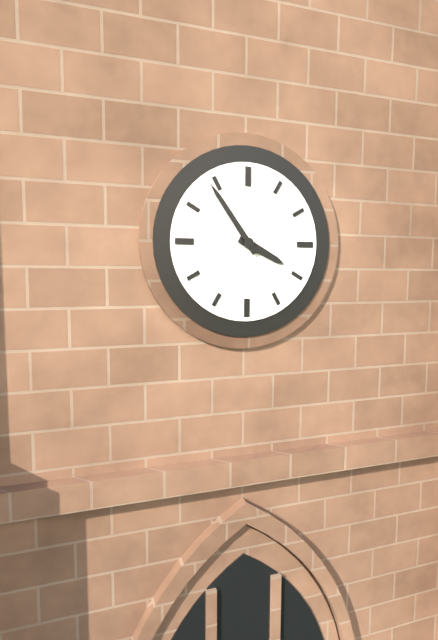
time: **3:54**
